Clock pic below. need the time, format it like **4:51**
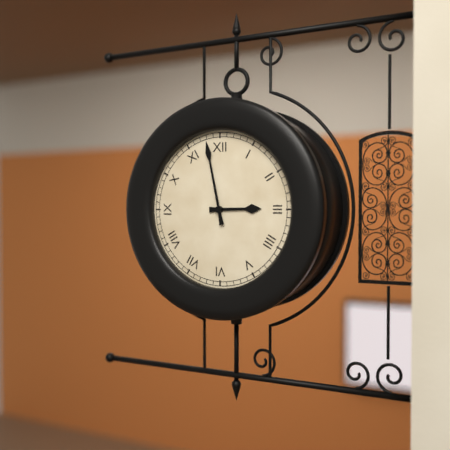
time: **2:58**
